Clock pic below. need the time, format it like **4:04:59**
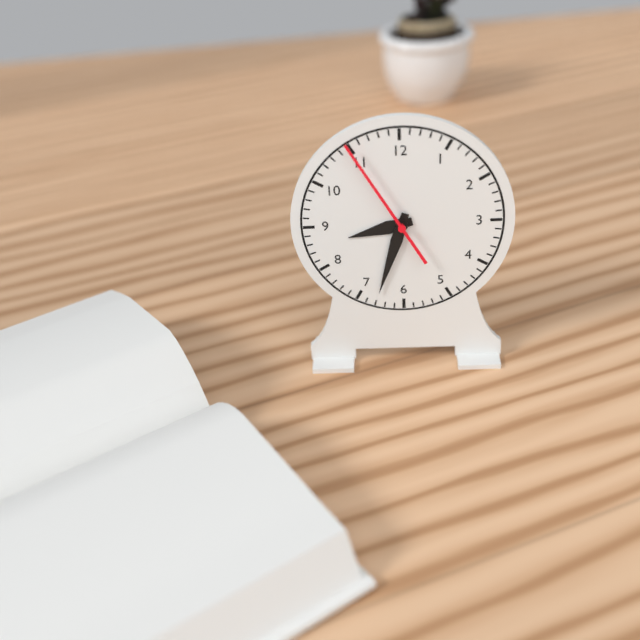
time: **8:33:55**
